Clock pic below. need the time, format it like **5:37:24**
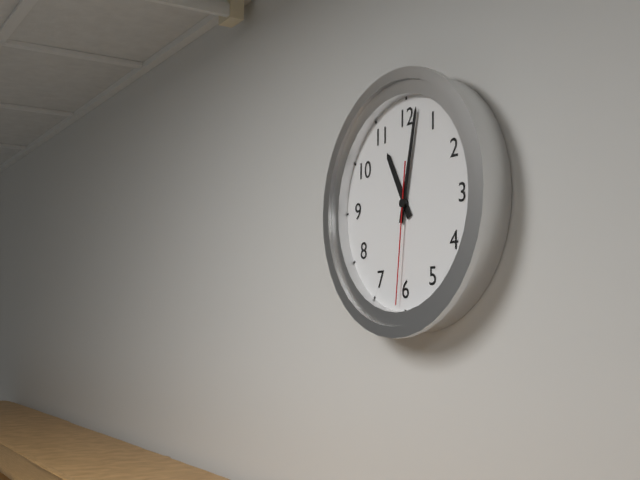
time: **11:02:31**
